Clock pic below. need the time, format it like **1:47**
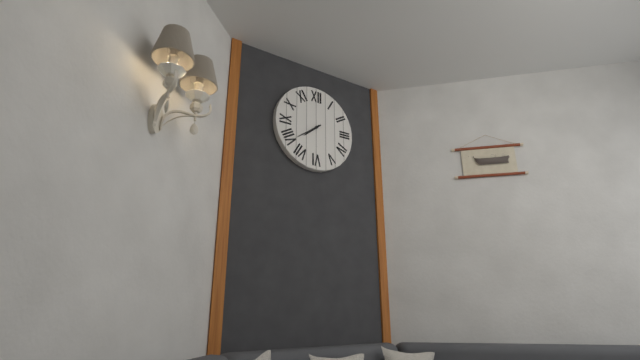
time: **7:39**
